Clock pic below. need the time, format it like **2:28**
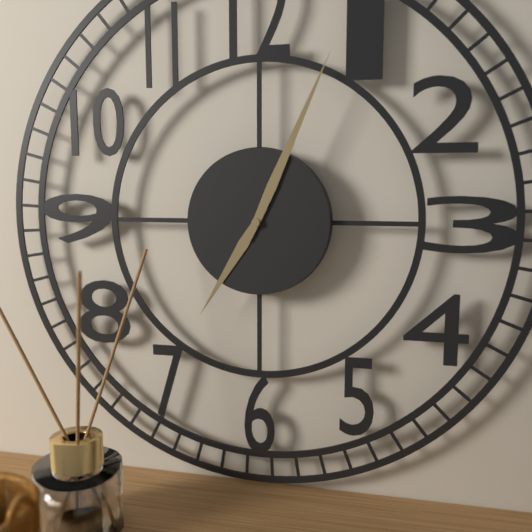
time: **7:04**
